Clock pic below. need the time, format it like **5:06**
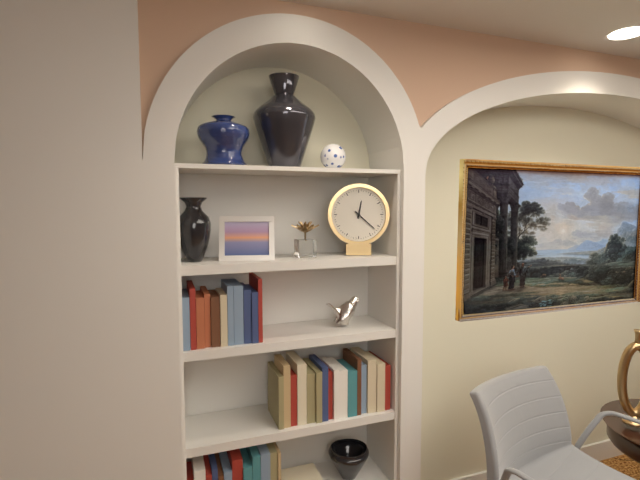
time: **12:22**
